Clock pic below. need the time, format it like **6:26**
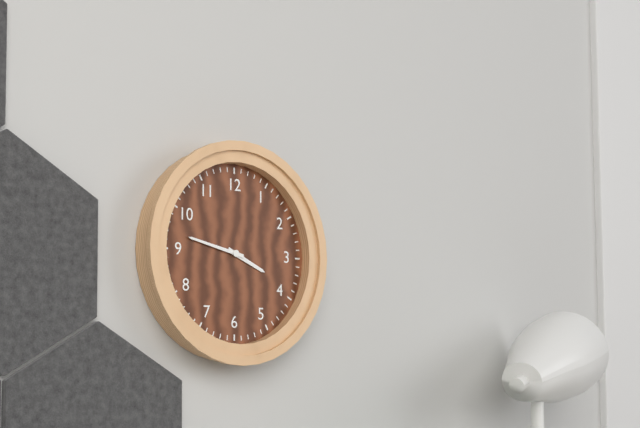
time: **3:47**
